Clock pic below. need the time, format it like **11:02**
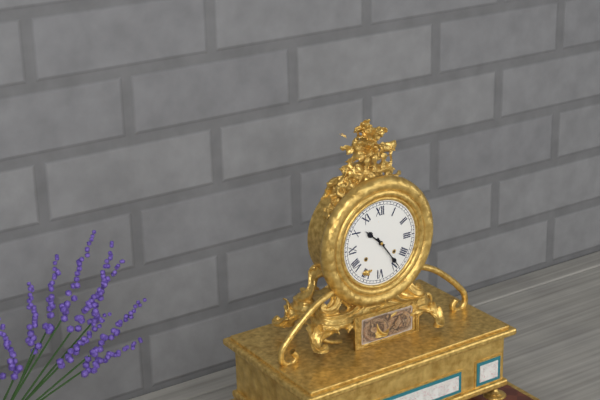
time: **10:24**
